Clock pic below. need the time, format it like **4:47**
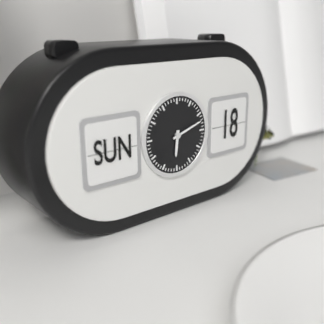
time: **6:12**
